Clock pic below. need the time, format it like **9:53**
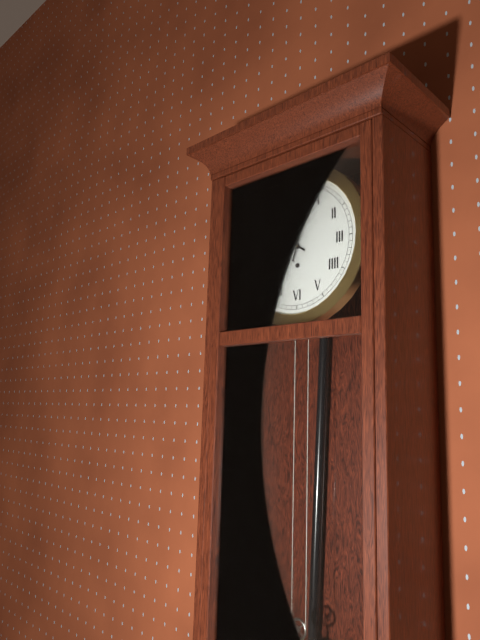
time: **10:03**
